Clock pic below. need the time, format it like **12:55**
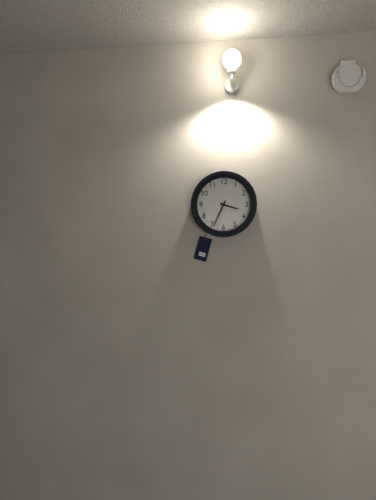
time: **3:34**
